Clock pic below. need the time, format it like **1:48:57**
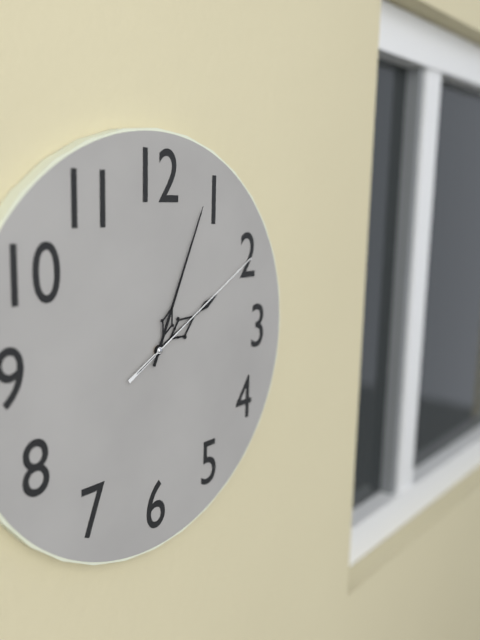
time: **2:04:10**
